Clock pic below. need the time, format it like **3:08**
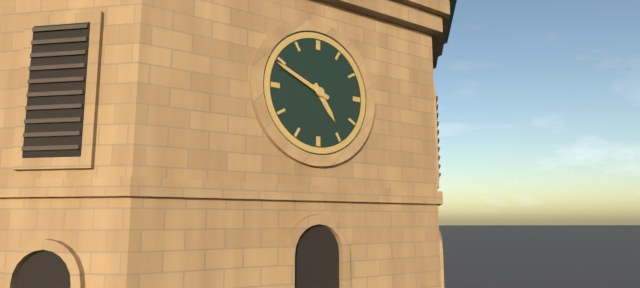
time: **4:49**
